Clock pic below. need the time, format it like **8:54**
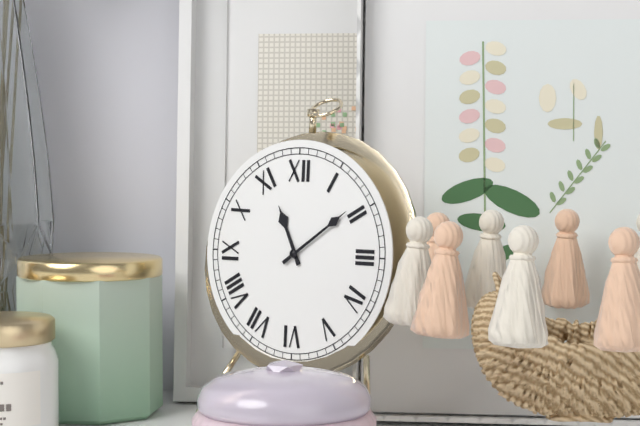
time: **11:09**
